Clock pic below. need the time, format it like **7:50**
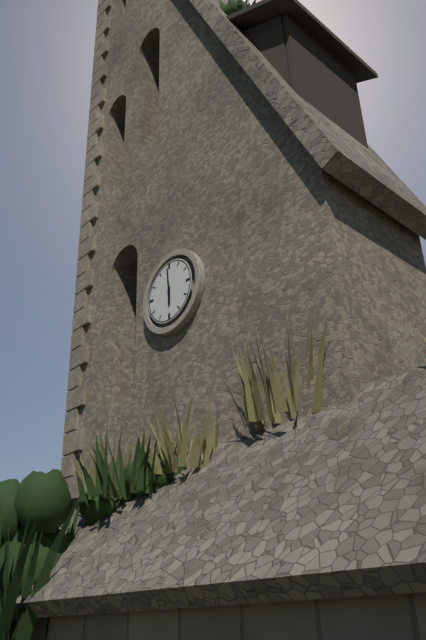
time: **5:59**
